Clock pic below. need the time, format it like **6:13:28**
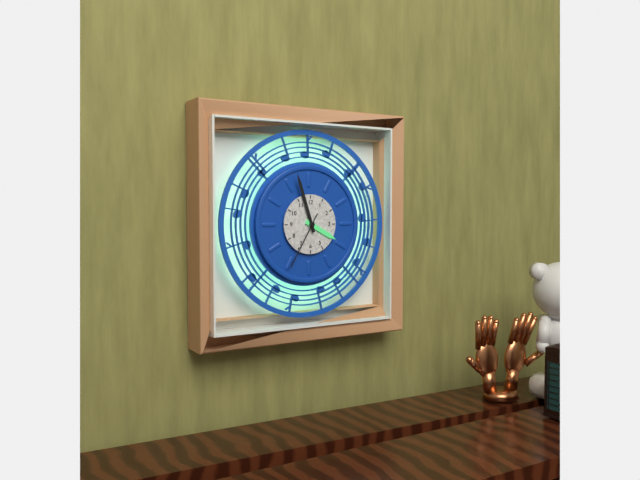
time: **3:57:35**
